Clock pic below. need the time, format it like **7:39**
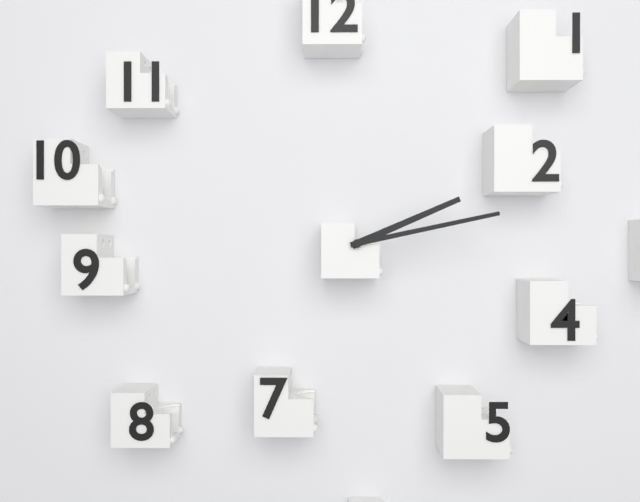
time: **2:13**
